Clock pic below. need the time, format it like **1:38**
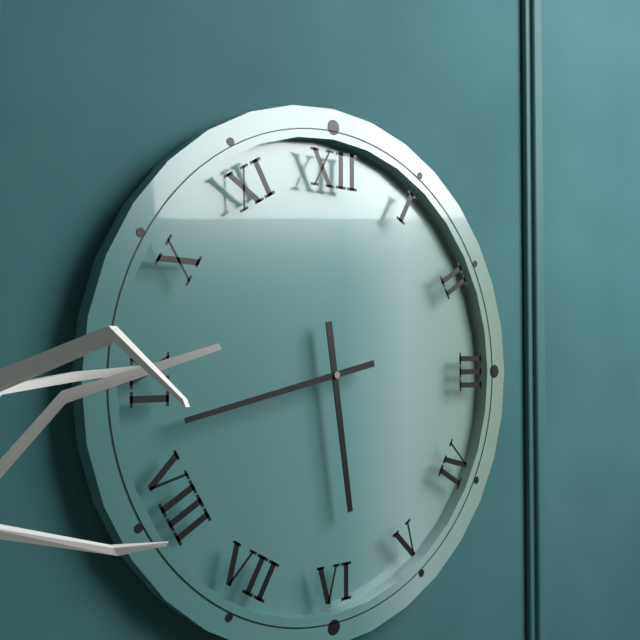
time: **5:43**
